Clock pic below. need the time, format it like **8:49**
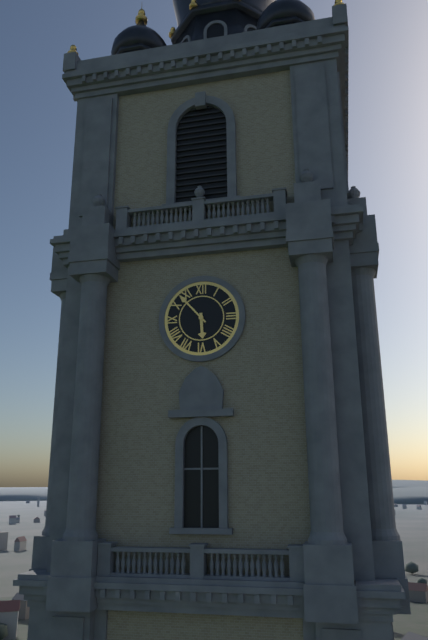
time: **5:53**
